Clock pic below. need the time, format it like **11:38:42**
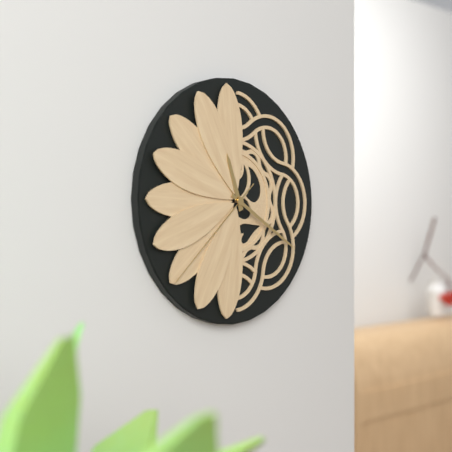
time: **11:20:38**
